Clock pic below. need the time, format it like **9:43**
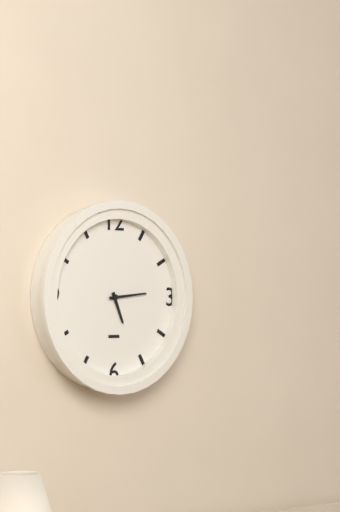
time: **5:14**
